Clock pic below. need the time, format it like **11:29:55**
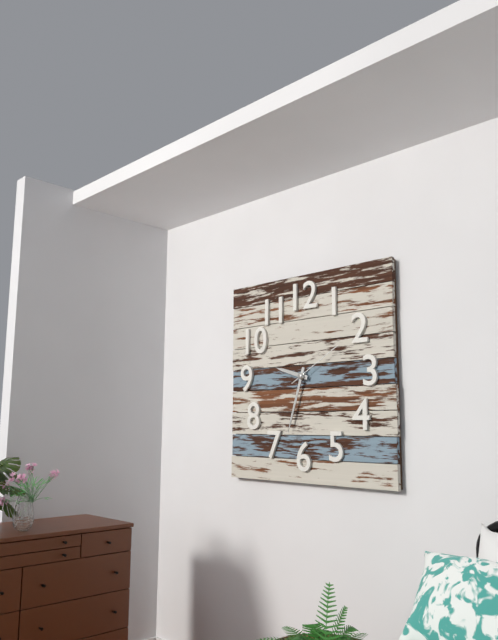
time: **9:33:10**
